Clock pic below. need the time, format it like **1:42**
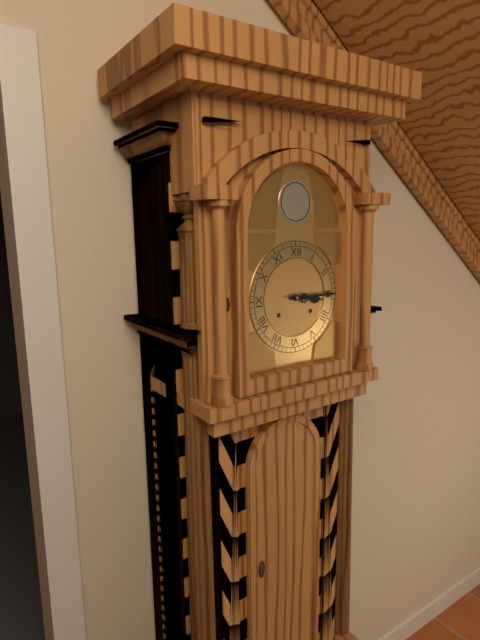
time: **3:15**
